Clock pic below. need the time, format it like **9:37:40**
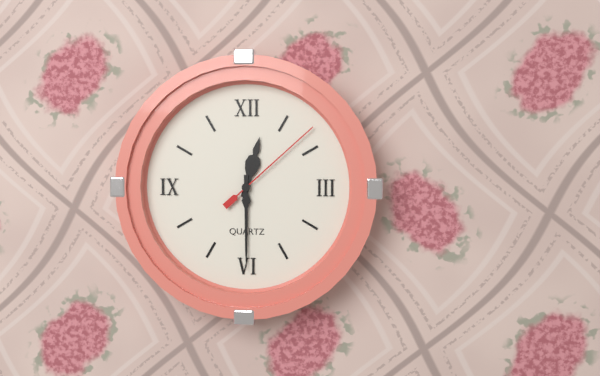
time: **12:30:08**
